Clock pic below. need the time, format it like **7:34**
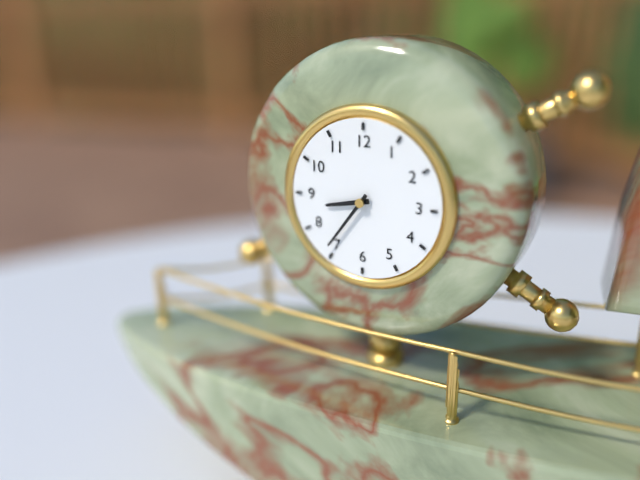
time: **8:36**
